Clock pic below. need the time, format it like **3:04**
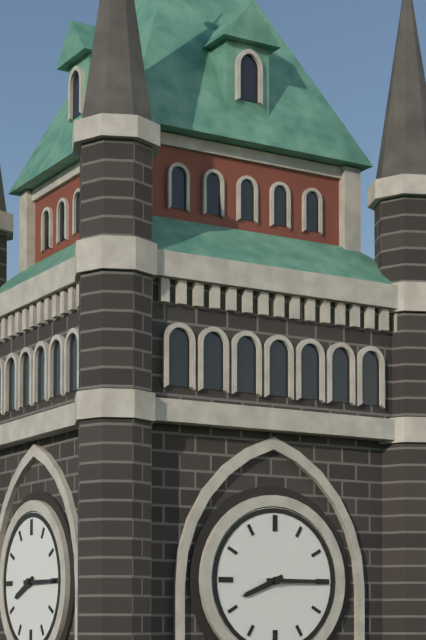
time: **8:15**
